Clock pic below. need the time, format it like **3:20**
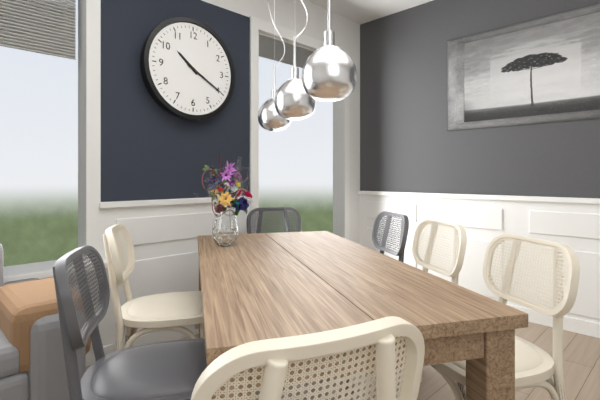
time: **10:20**
